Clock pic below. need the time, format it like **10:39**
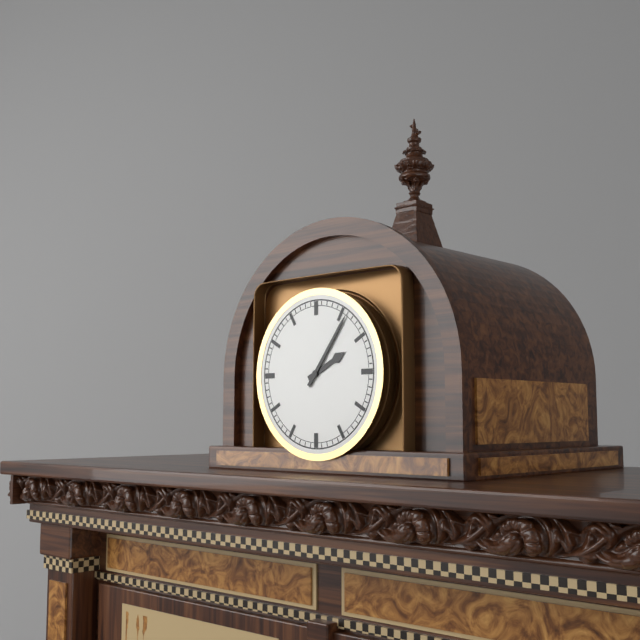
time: **2:06**
